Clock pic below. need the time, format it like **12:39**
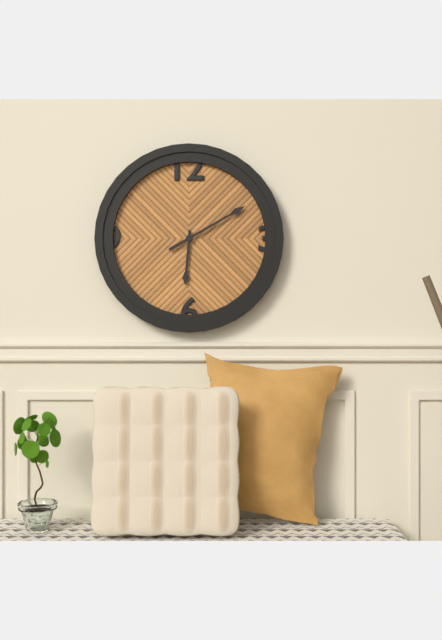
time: **6:10**
